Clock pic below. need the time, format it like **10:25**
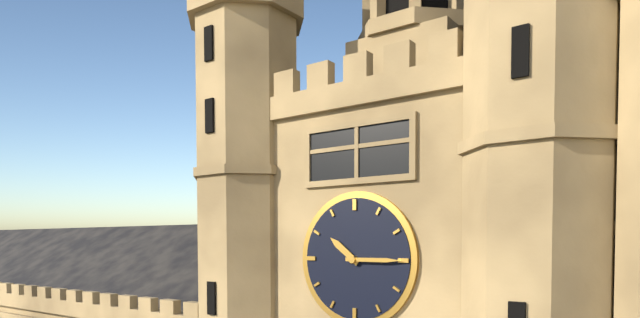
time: **10:15**
